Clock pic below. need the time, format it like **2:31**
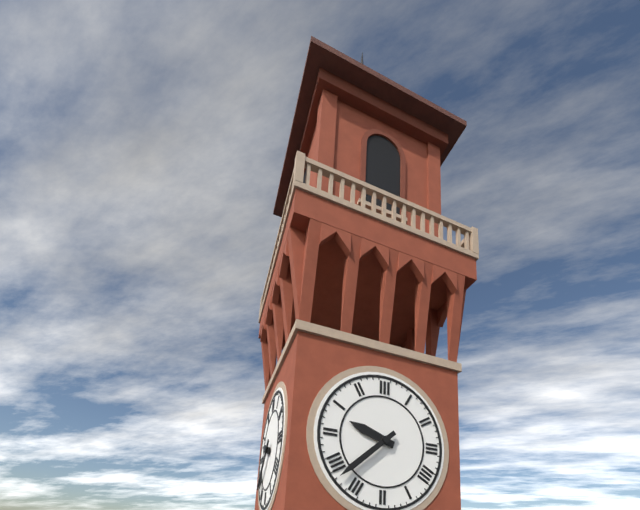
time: **9:38**
